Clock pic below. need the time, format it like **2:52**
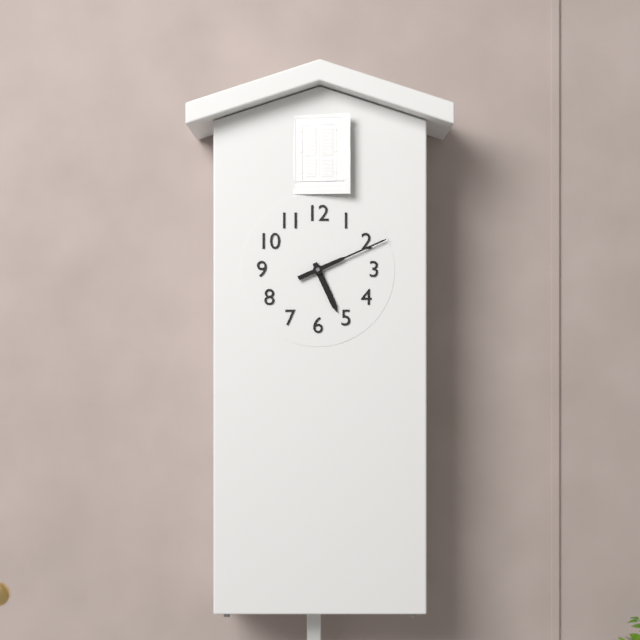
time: **5:11**
